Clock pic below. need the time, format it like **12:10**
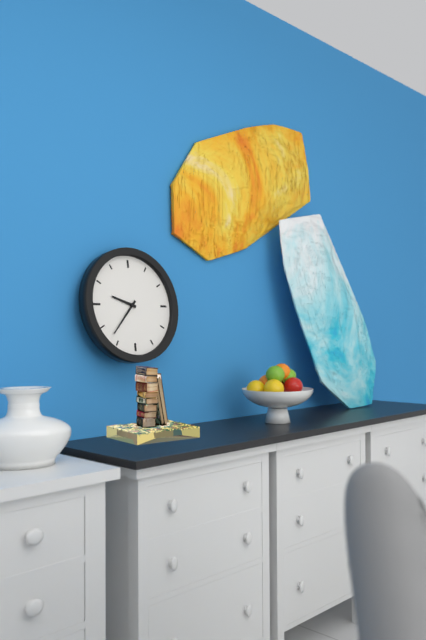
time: **9:37**
